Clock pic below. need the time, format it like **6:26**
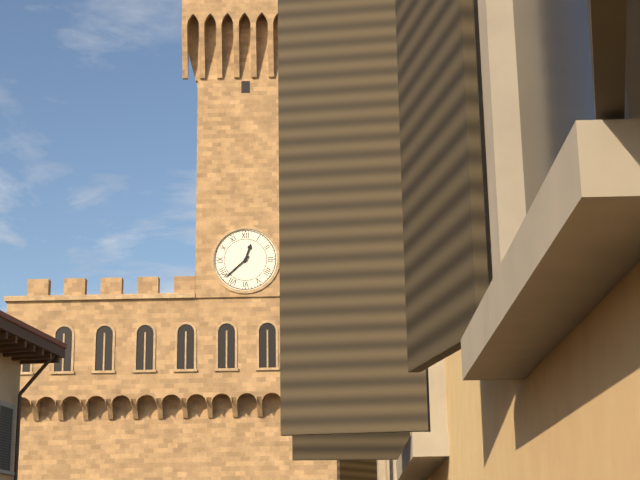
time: **12:38**
